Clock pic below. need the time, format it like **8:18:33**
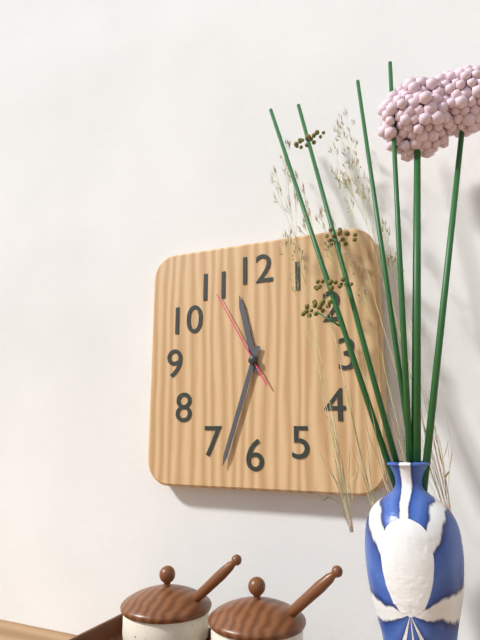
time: **11:33:55**
